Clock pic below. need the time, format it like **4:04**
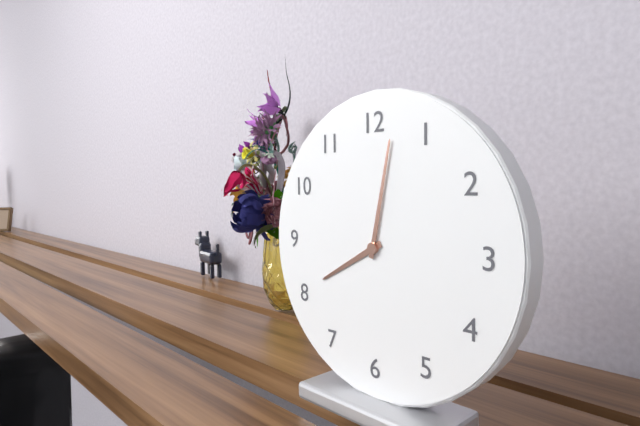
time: **8:02**
